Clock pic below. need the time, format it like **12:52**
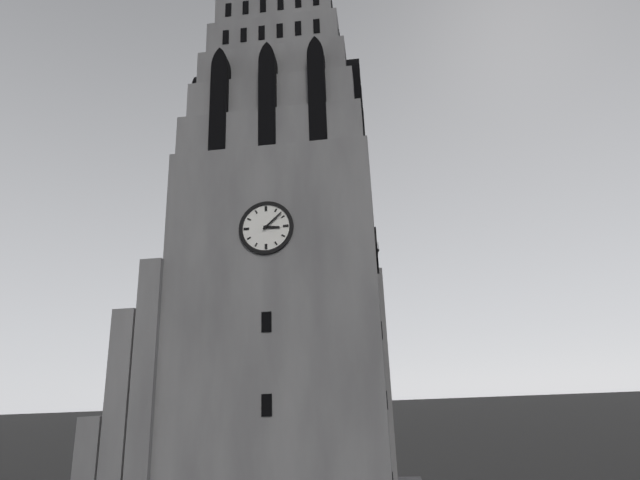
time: **3:08**
